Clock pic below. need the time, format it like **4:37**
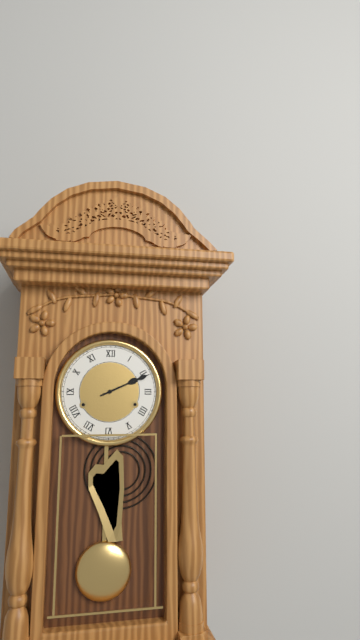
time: **2:11**
